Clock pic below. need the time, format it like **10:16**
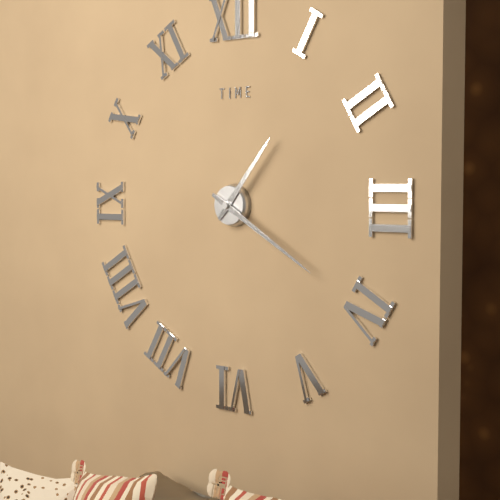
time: **1:20**
